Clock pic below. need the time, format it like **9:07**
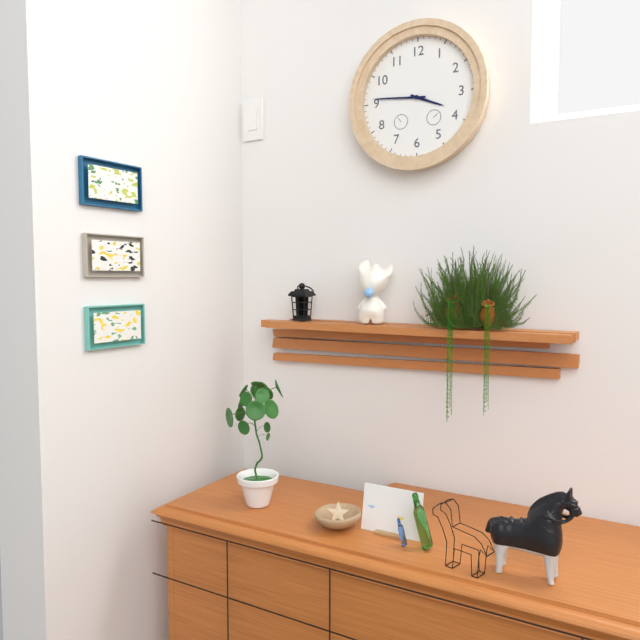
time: **3:46**
